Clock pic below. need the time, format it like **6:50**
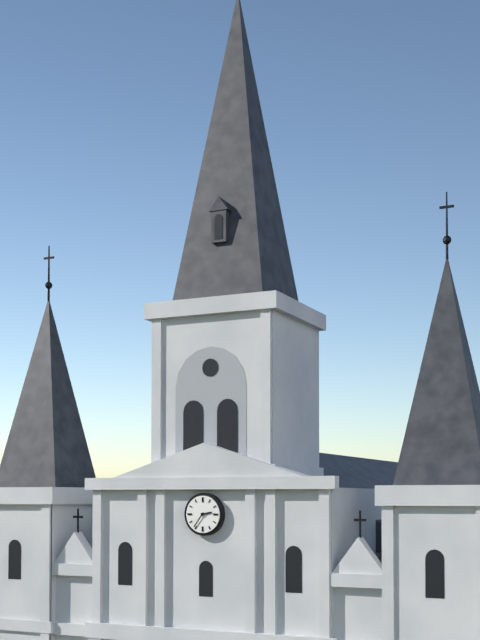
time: **2:36**
